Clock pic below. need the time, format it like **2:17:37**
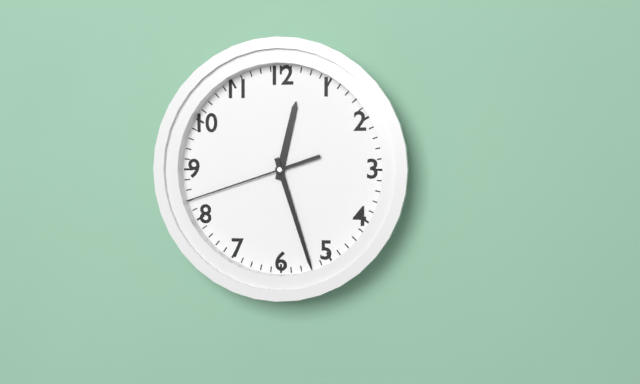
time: **12:27:42**
